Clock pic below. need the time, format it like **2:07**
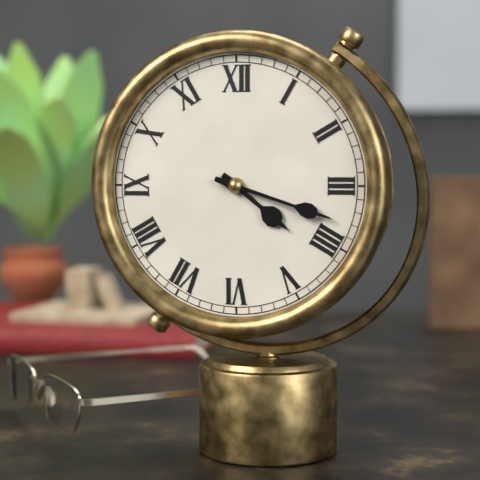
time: **4:18**
